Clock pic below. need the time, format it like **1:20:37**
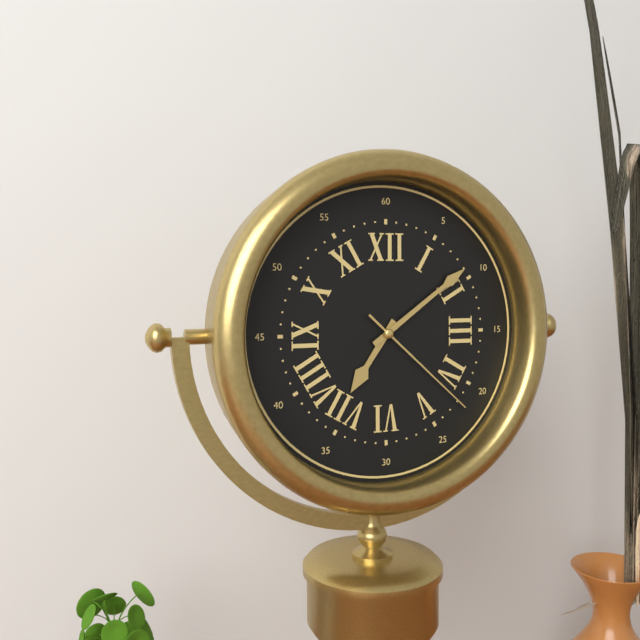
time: **7:09:22**
